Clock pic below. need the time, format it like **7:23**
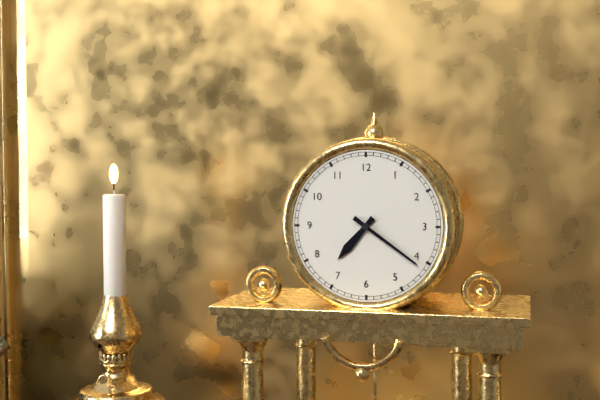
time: **7:21**
